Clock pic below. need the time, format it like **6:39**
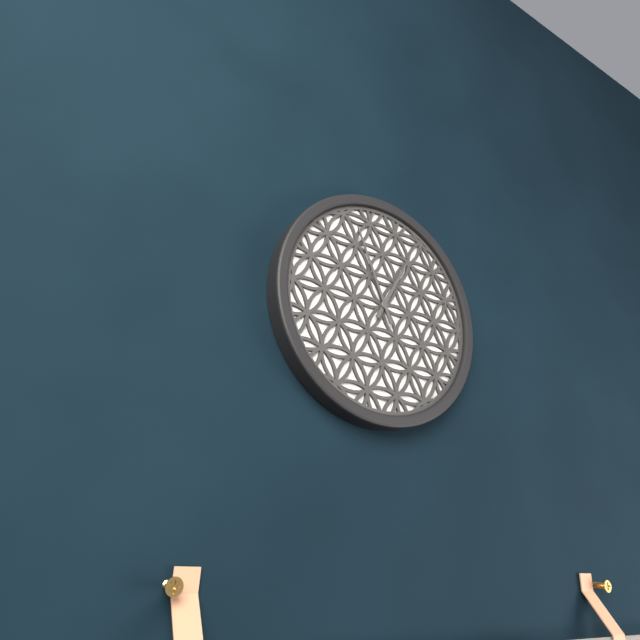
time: **12:56**
